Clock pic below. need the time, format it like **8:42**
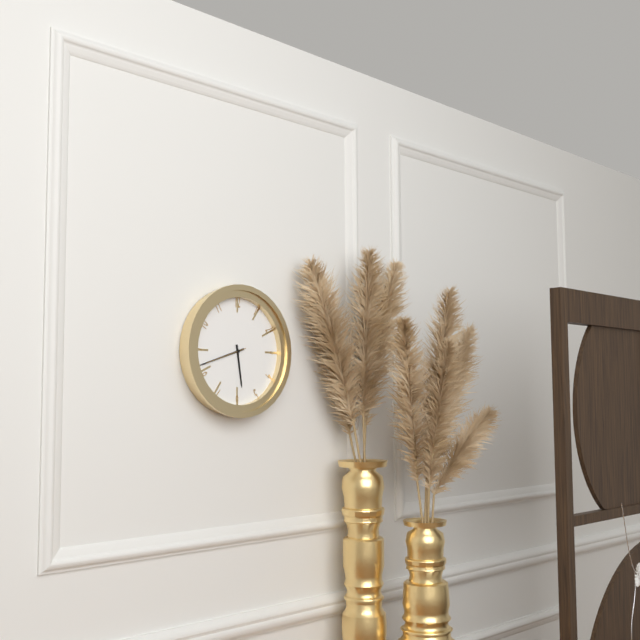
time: **5:42**
